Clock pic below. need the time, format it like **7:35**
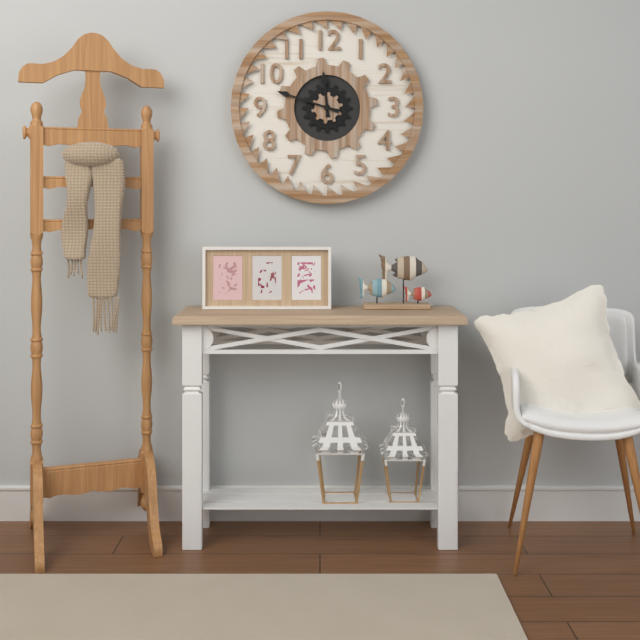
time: **11:48**
